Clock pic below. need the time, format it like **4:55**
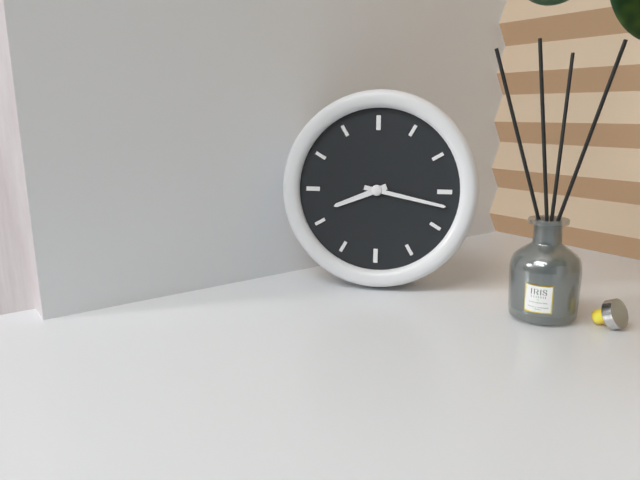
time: **8:17**
